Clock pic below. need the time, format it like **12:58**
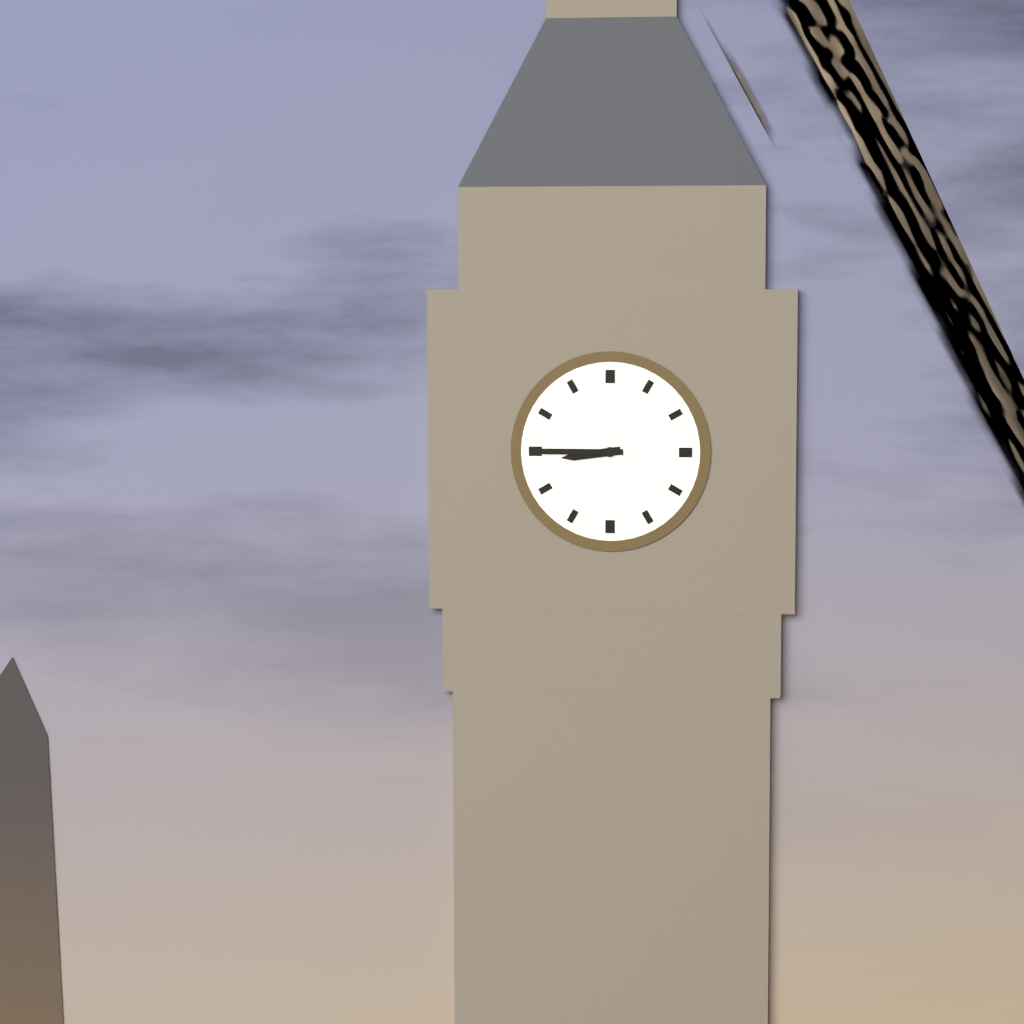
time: **8:45**
